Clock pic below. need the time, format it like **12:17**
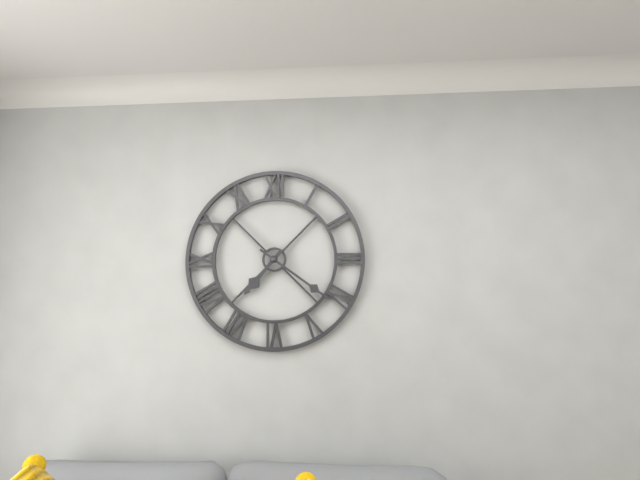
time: **7:21**
